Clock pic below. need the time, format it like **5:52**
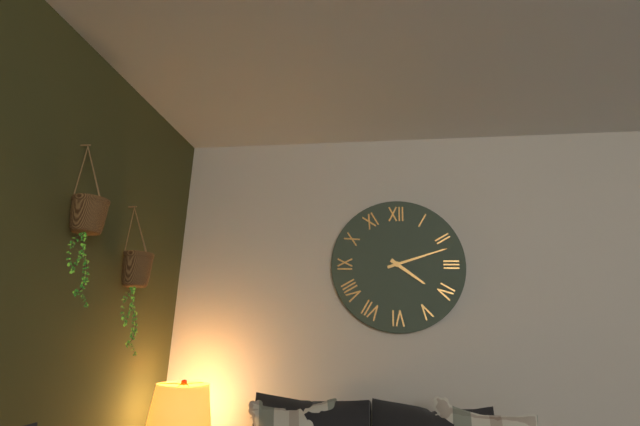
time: **4:12**
